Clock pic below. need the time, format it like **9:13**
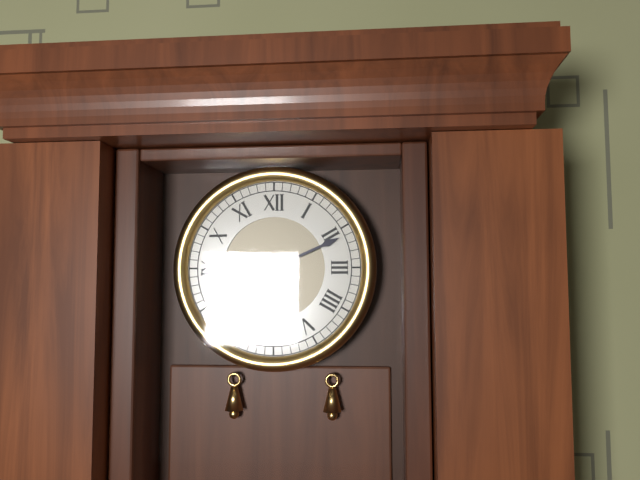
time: **5:11**
